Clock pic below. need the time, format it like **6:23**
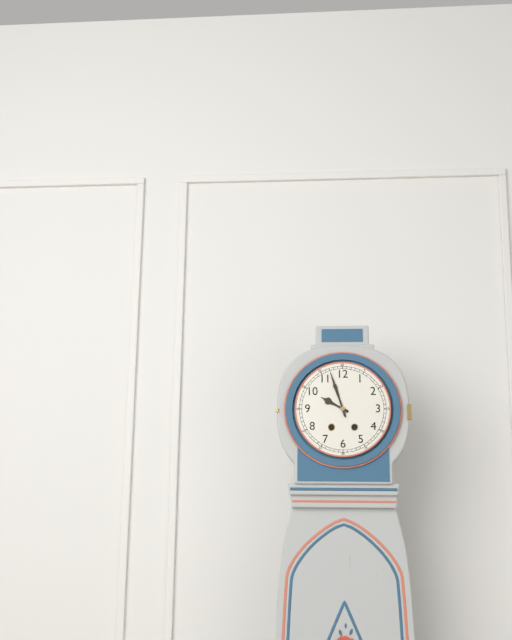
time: **9:57**
